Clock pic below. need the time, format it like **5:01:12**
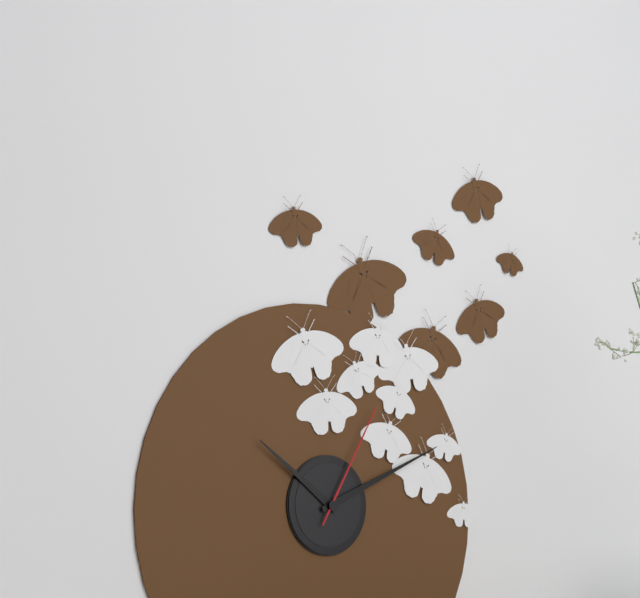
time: **10:11:05**
